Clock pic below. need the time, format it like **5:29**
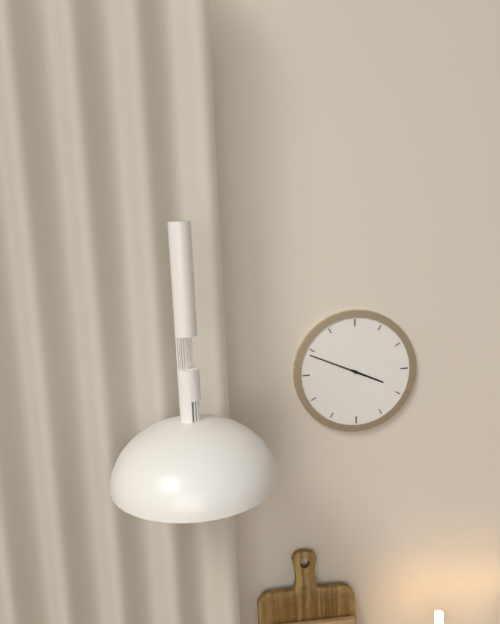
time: **3:49**
